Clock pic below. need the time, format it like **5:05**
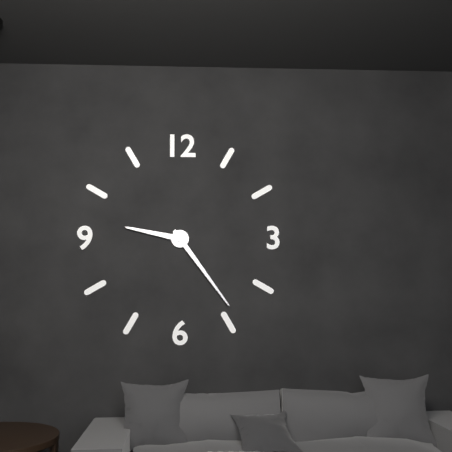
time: **9:24**
